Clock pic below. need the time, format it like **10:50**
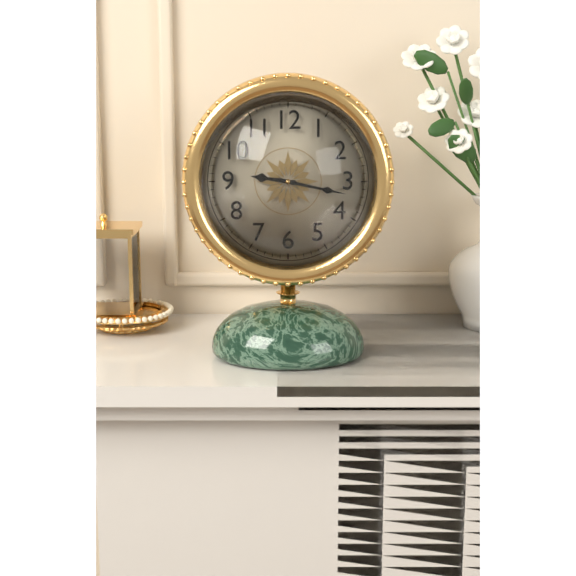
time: **9:17**
